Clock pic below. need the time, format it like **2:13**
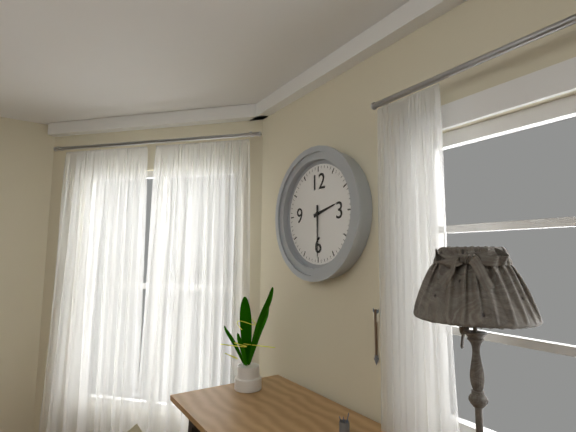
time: **2:30**
